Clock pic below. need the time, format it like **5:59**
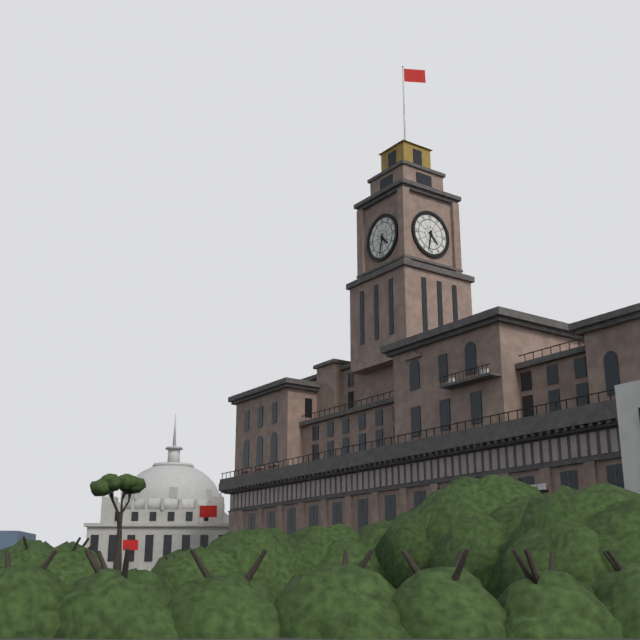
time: **4:32**
